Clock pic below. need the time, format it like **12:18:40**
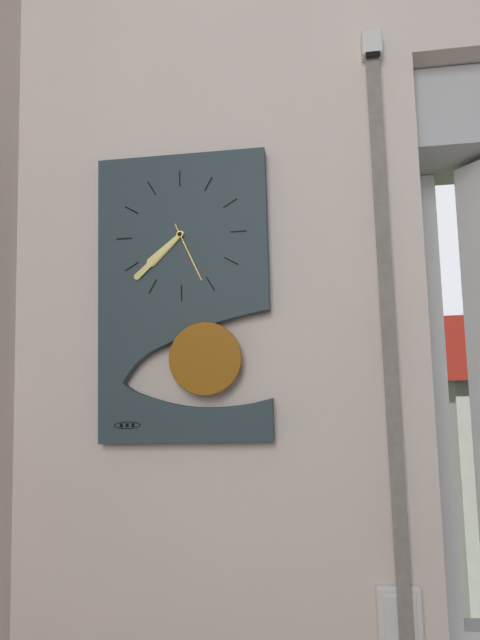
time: **7:38:26**
